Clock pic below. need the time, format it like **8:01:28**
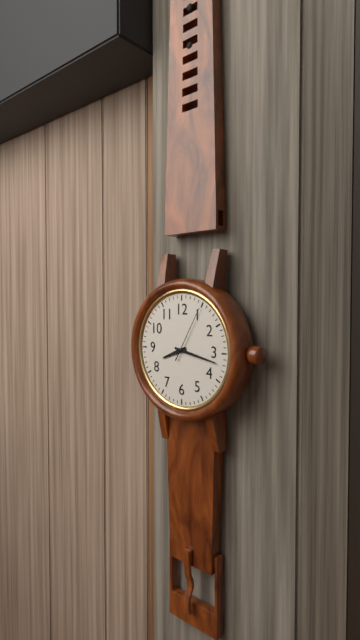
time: **8:17:05**
